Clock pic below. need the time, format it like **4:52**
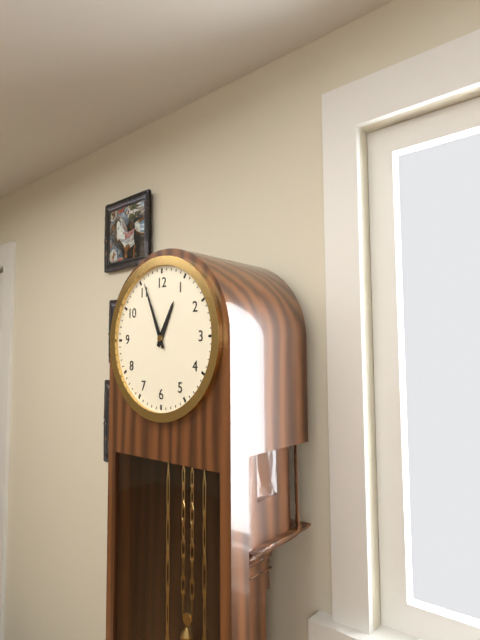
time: **12:56**
